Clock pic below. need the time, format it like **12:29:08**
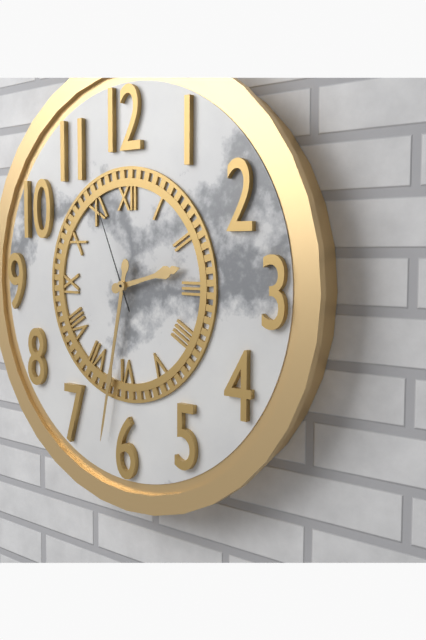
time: **2:32:56**
